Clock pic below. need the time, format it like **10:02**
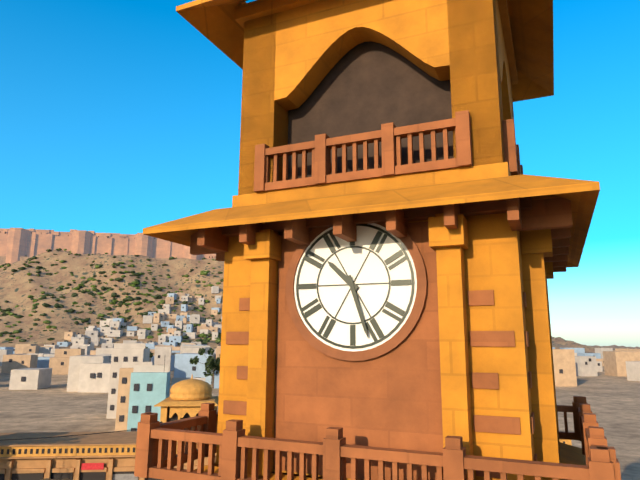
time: **10:27**
